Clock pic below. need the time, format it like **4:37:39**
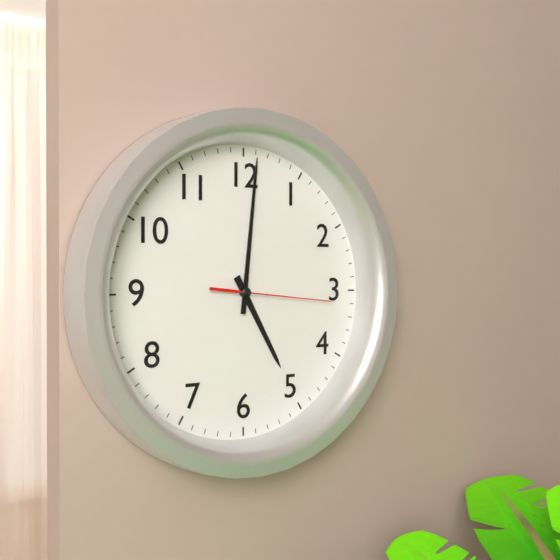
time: **5:01:16**
